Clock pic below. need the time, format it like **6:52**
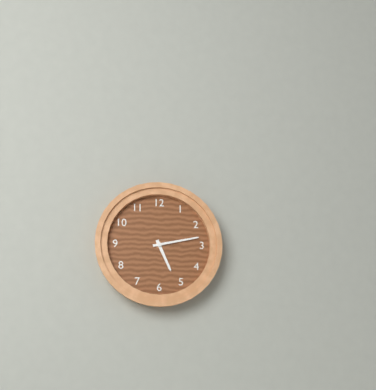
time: **5:13**
